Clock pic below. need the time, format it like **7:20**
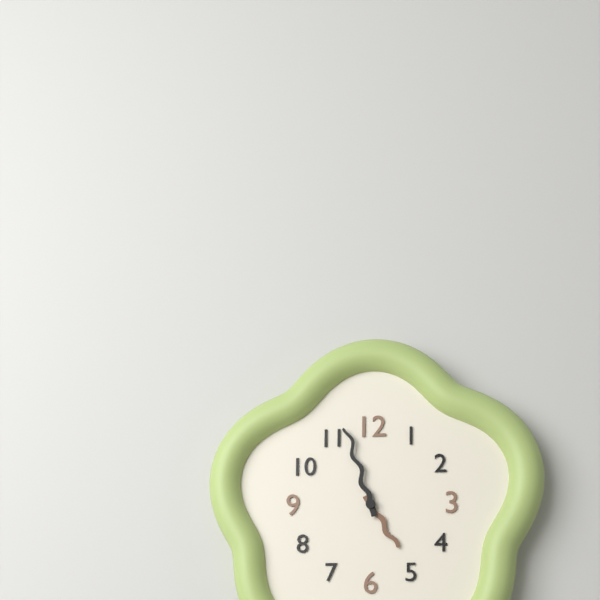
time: **4:57**
